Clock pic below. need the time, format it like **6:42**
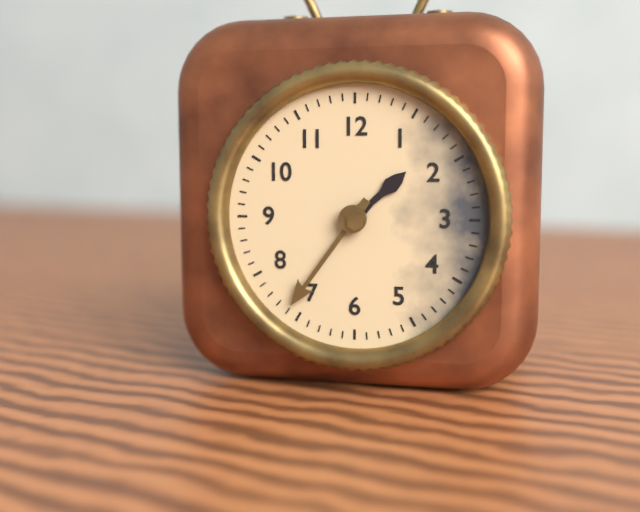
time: **1:36**
